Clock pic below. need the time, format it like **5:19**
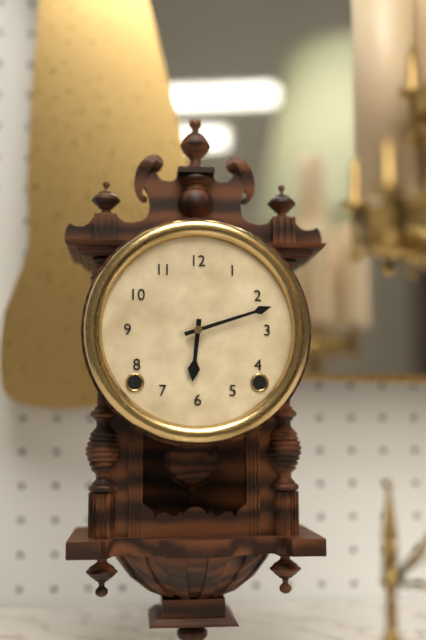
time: **6:12**
